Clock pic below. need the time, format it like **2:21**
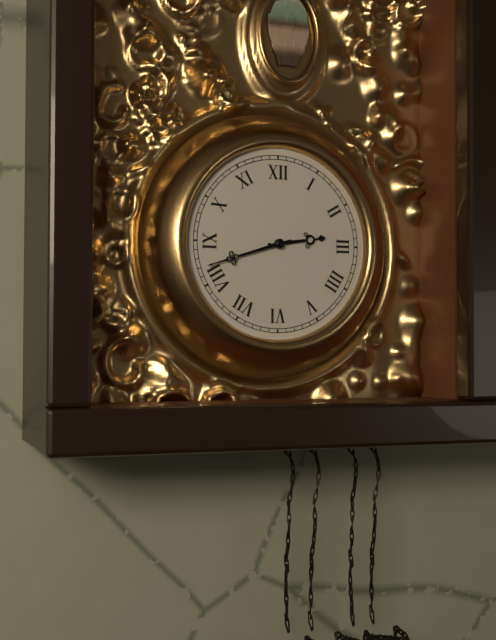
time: **2:42**
